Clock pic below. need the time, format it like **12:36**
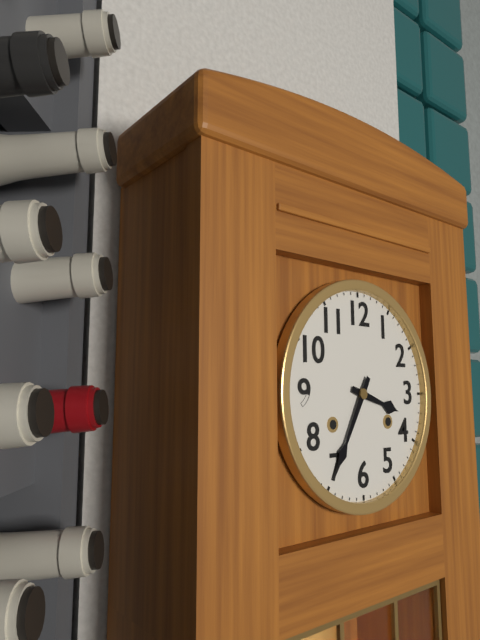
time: **3:35**
